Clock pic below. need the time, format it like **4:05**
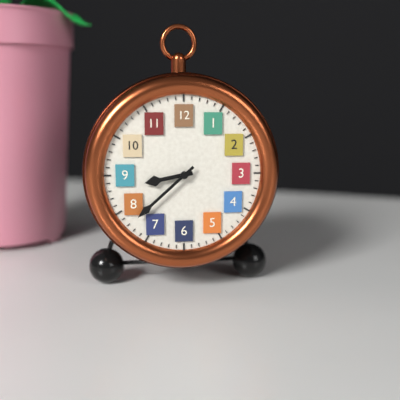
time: **8:38**
